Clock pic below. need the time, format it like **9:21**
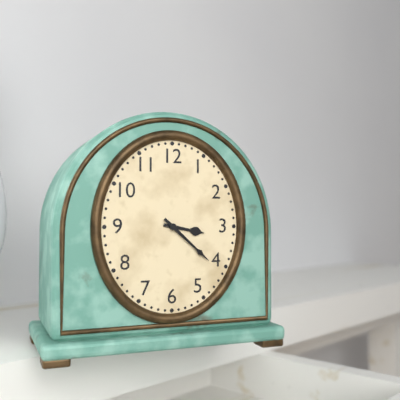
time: **3:22**
